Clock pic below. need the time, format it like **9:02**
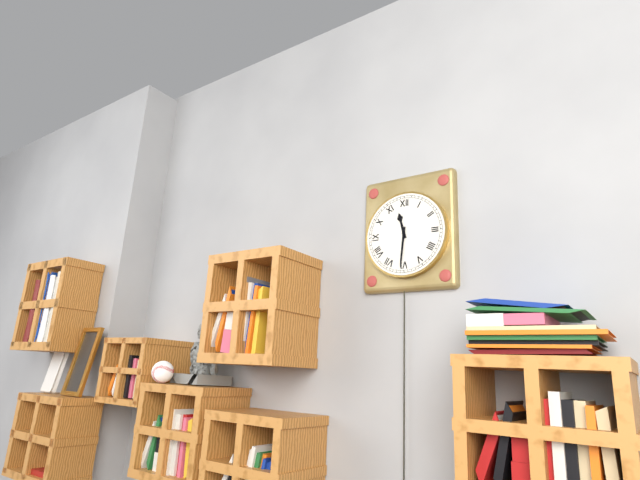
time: **11:31**
